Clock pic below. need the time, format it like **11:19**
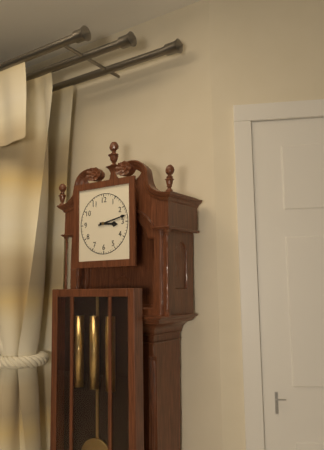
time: **3:13**
